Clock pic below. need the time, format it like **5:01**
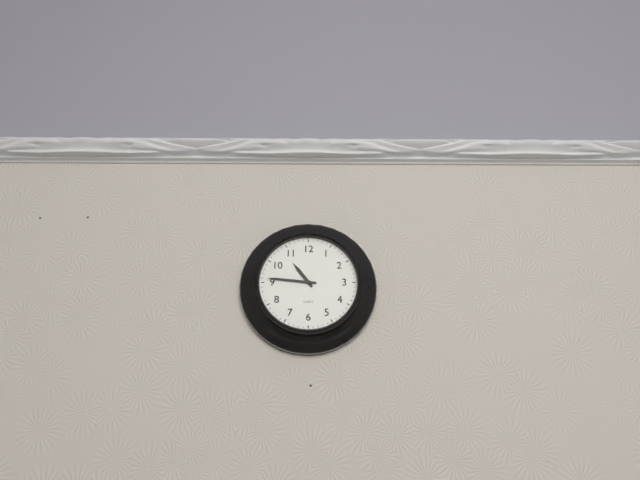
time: **10:46**
